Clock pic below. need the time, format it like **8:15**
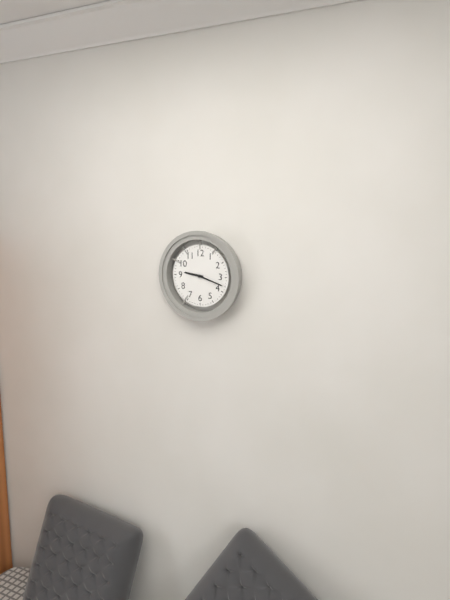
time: **9:18**
